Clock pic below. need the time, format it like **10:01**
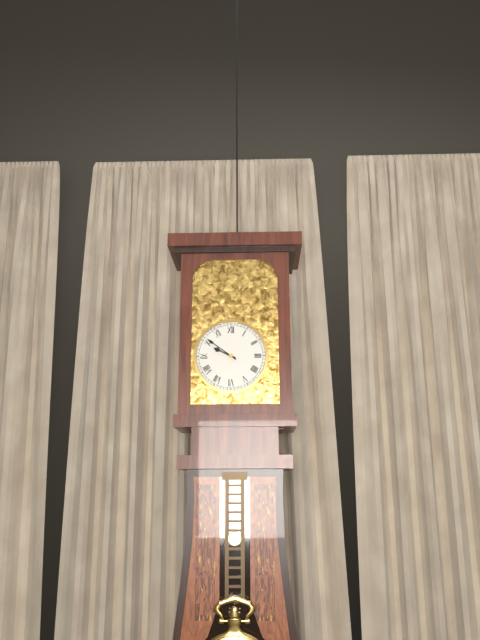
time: **9:51**
